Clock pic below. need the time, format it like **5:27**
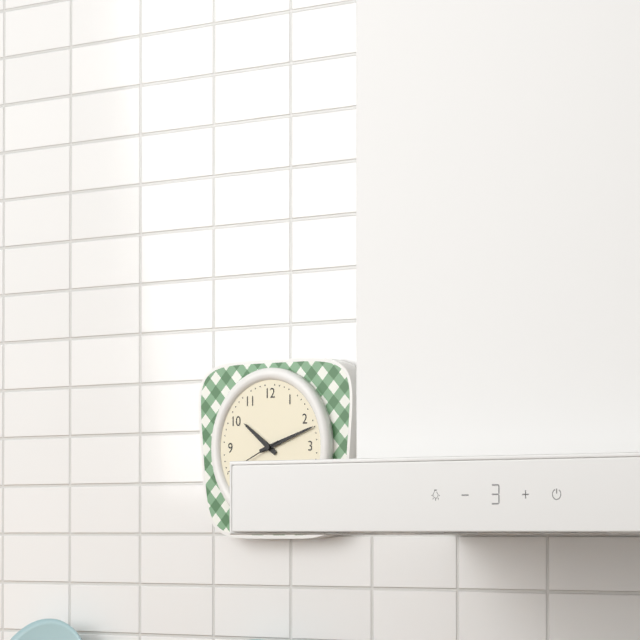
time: **10:12**
